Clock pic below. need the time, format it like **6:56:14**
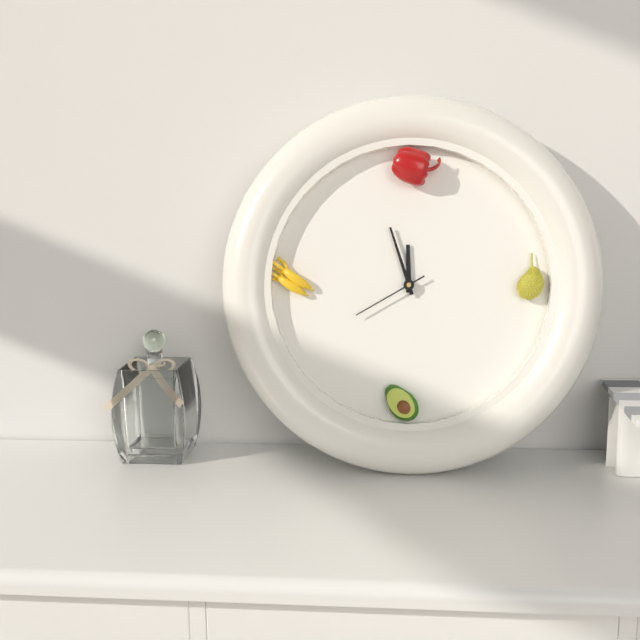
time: **11:57:40**
